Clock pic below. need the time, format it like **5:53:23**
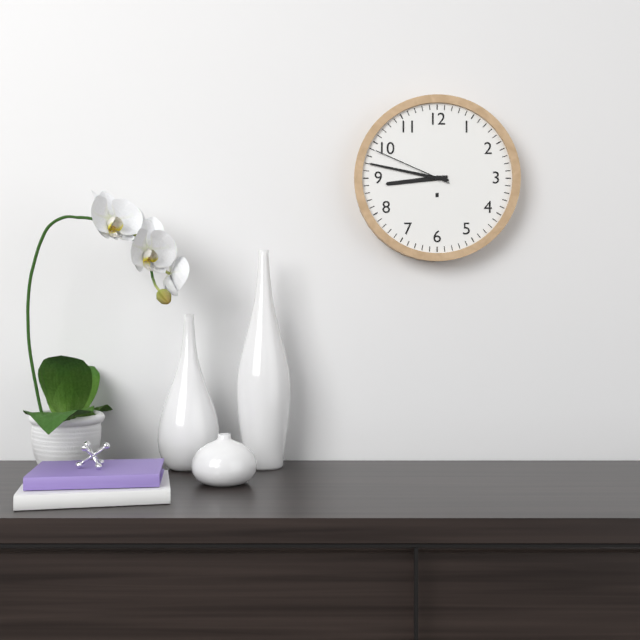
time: **8:47:49**
